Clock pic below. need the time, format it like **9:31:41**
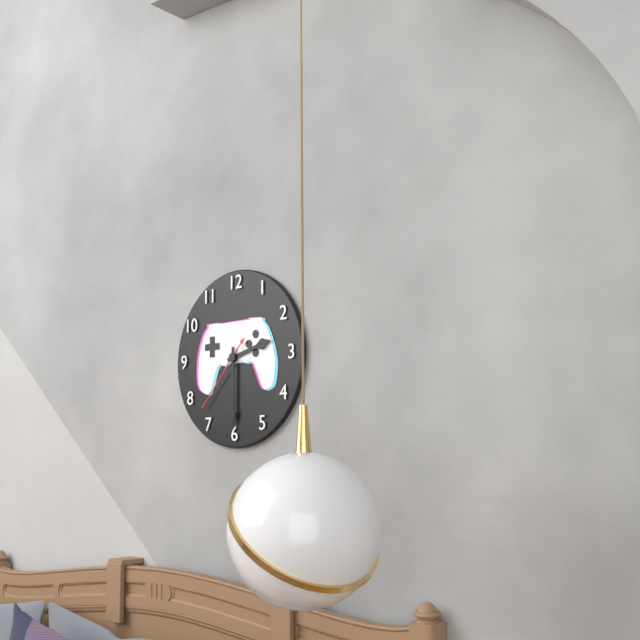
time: **2:30:37**
